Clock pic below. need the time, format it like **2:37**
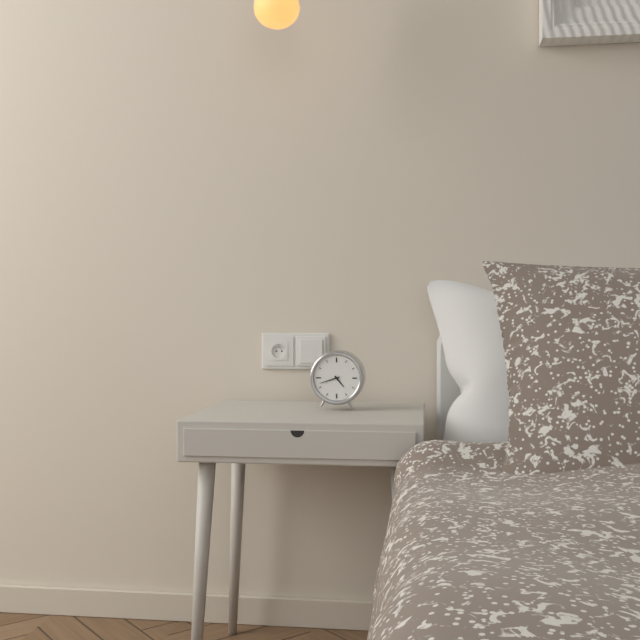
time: **4:42**
